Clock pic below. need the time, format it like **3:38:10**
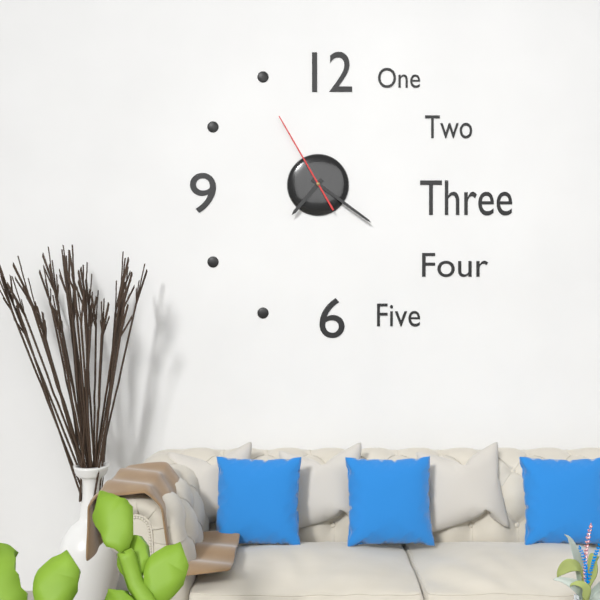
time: **7:21:55**
